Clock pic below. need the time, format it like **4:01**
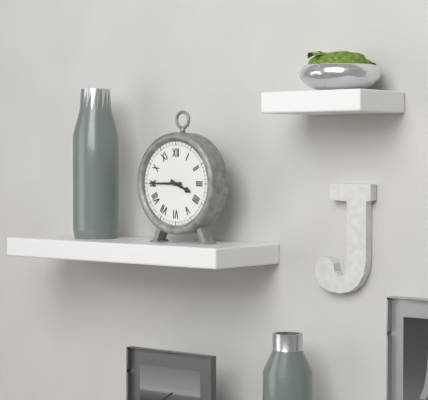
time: **3:45**
